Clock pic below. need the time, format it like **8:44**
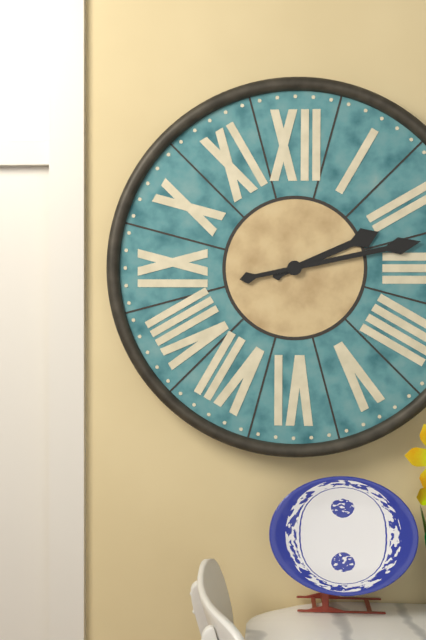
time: **2:13**
